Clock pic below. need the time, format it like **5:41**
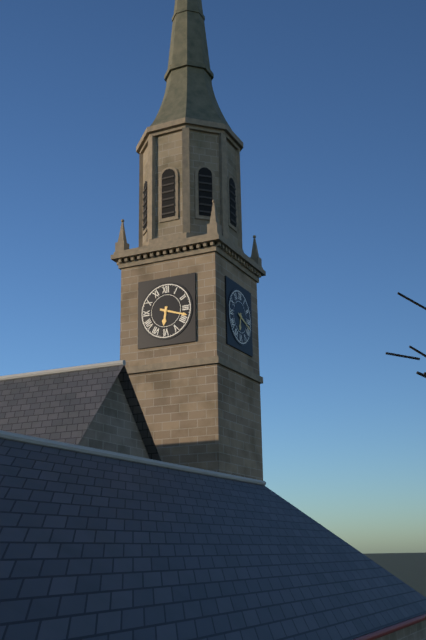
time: **6:18**
